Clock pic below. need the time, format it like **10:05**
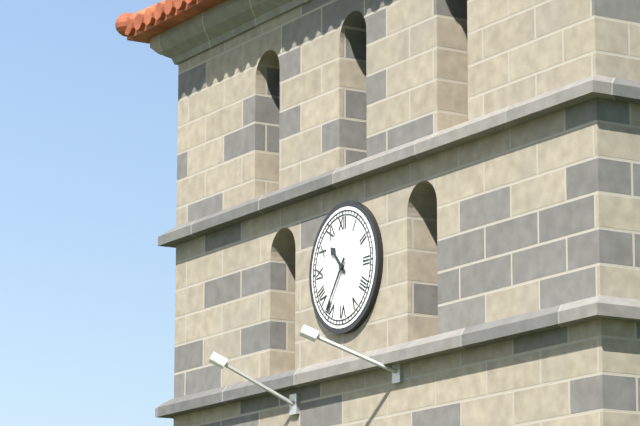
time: **10:36**
